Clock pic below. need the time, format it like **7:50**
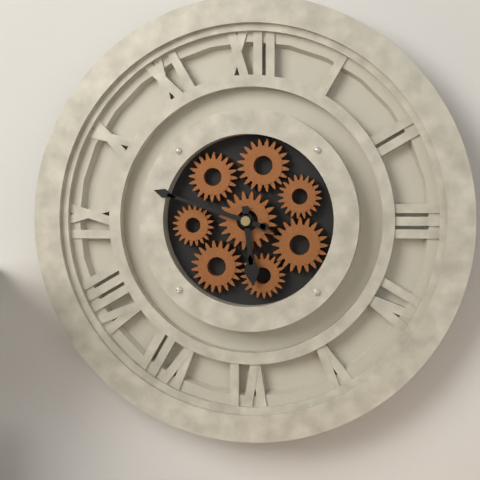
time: **5:48**
